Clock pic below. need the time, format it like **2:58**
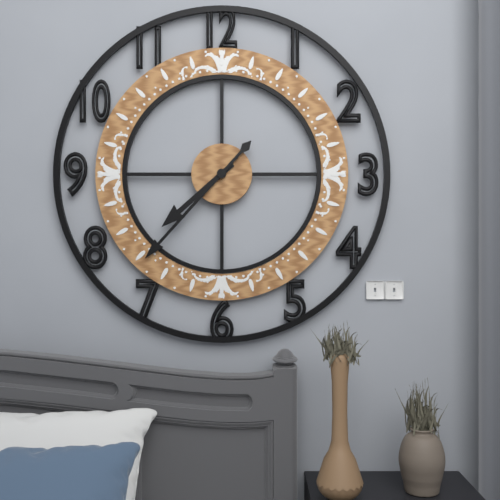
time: **7:37**
